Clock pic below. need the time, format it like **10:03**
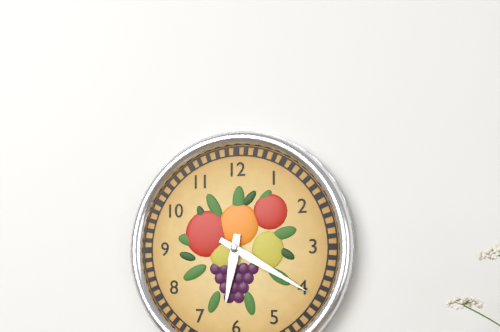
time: **6:20**
